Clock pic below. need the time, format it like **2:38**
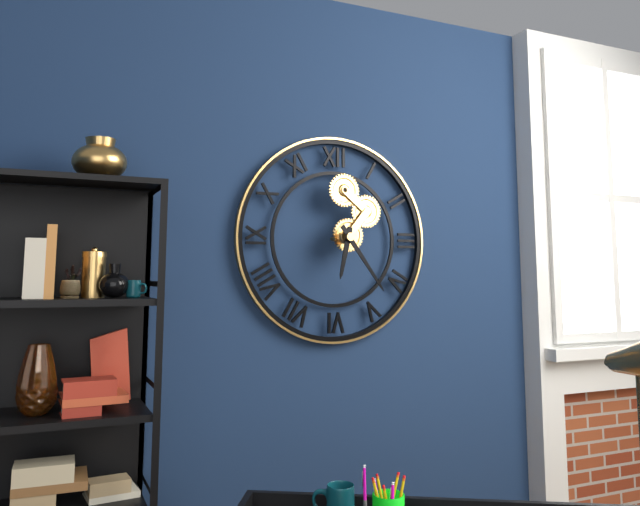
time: **6:24**
